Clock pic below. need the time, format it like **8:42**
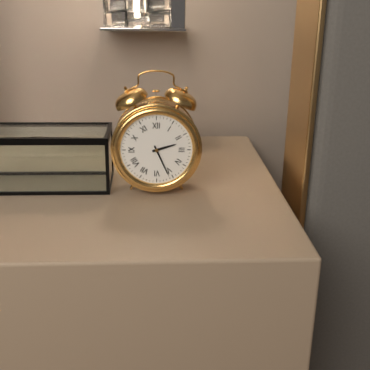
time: **2:26**
